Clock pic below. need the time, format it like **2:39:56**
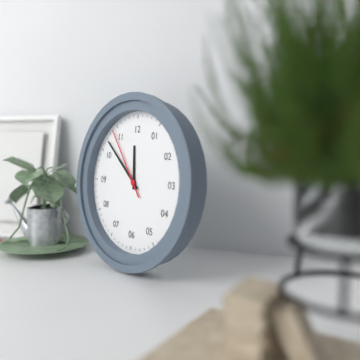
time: **11:52:54**
